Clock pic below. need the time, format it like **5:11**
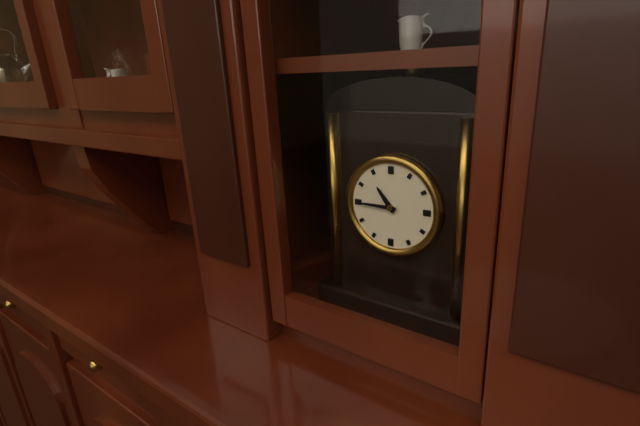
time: **10:45**
